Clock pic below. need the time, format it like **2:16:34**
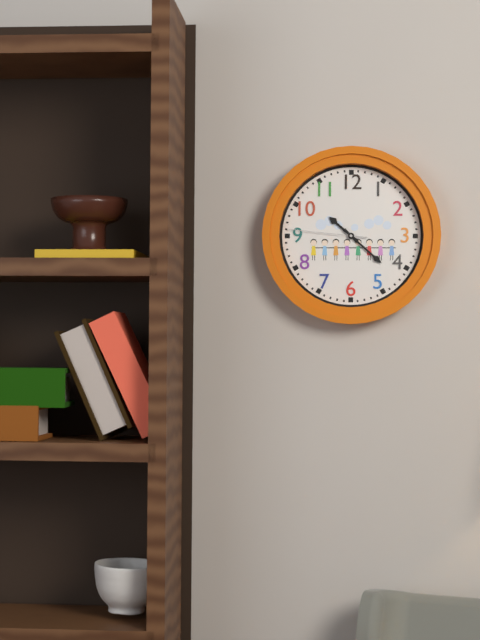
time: **10:22:46**
